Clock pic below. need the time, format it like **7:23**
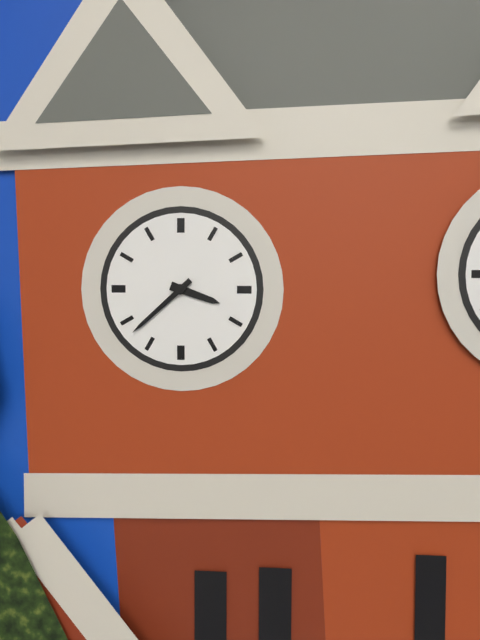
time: **3:38**
